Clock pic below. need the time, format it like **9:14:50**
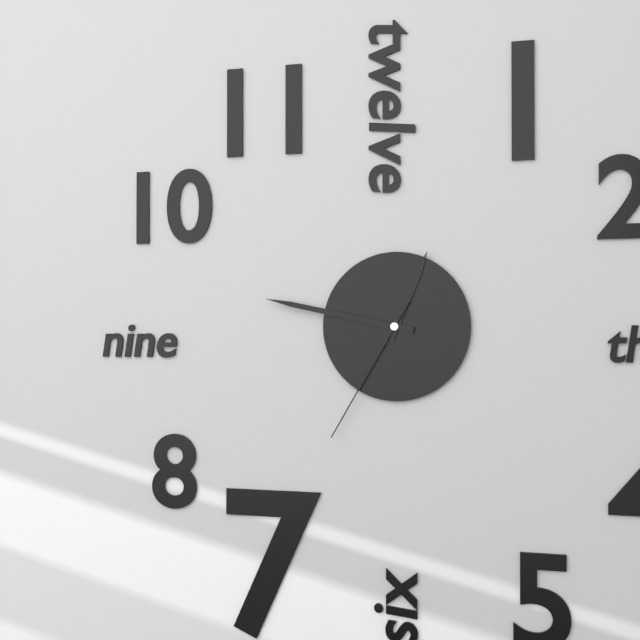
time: **12:47:35**
